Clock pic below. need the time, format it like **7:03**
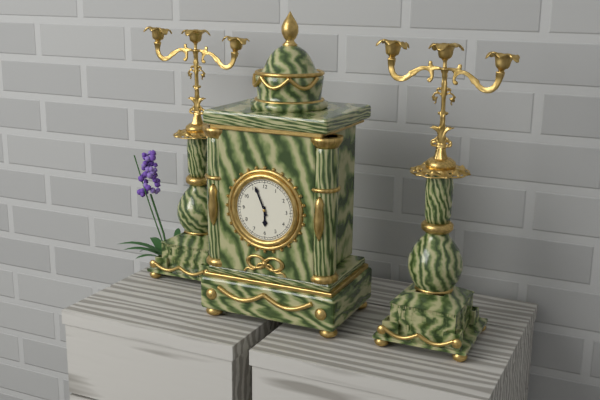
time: **5:56**
